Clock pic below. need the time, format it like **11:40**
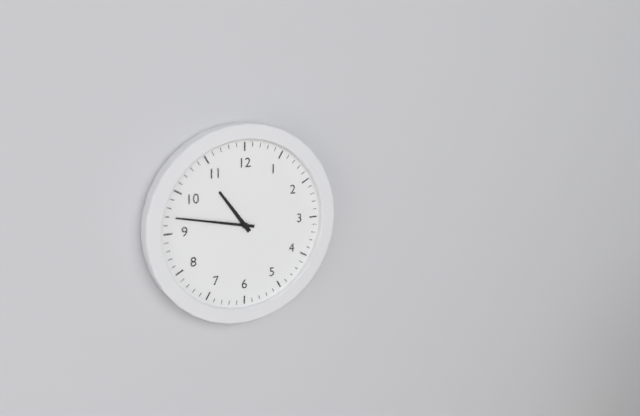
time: **10:47**
